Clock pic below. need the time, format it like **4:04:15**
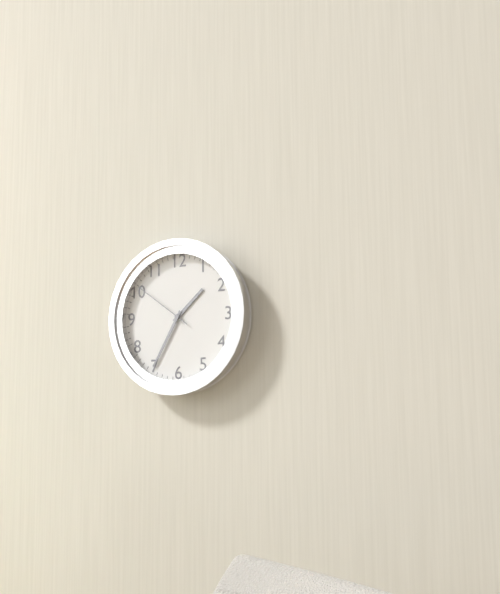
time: **1:35:51**
